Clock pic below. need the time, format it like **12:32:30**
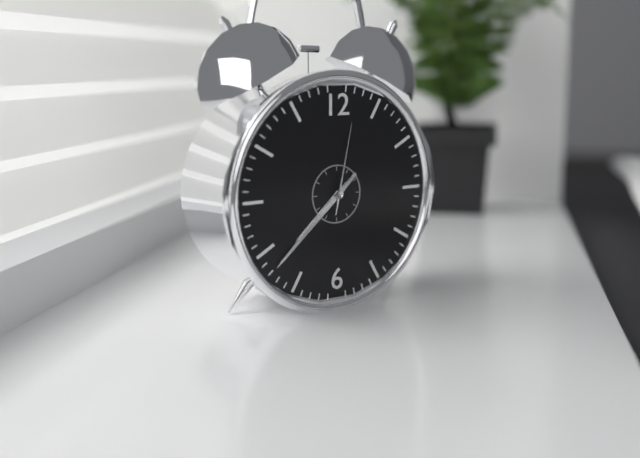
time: **7:38:02**
